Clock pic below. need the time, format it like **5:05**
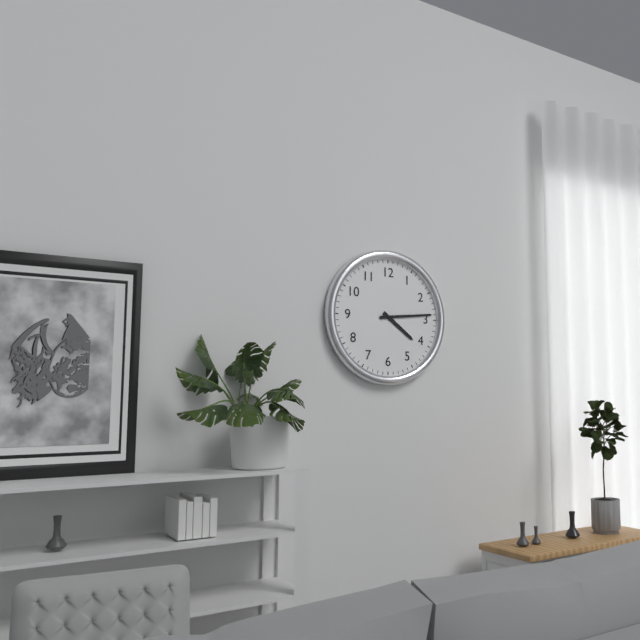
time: **4:14**
